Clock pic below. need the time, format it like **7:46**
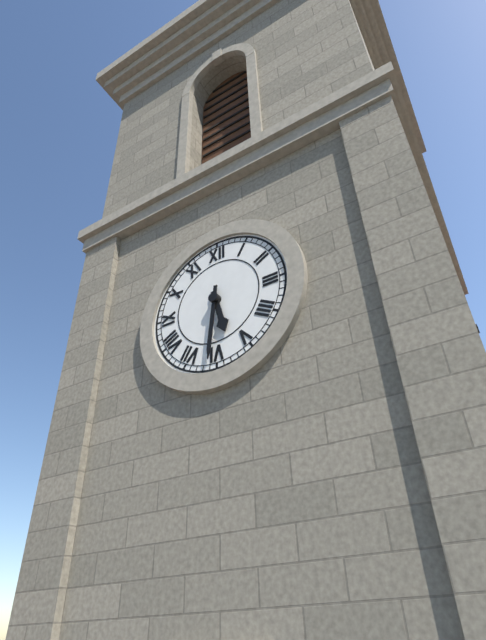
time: **5:31**
